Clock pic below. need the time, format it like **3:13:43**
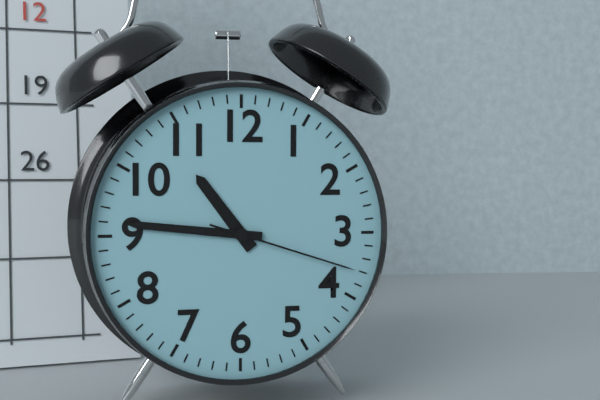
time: **10:46:18**
